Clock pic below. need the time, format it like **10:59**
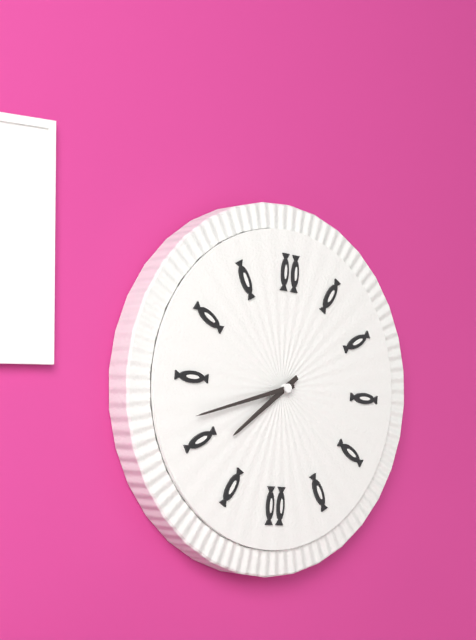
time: **7:42**
